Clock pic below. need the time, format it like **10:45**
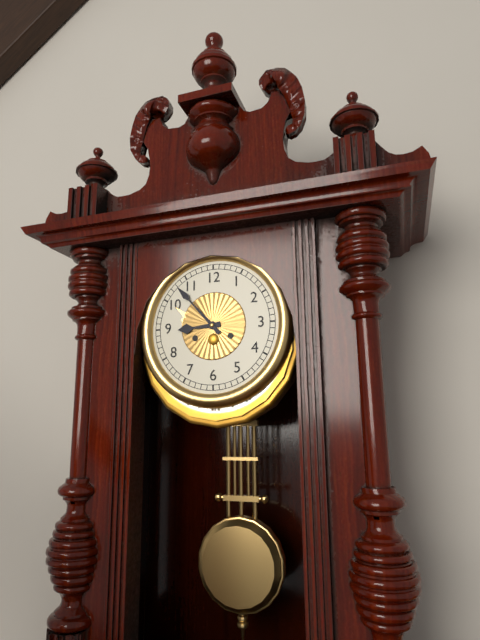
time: **8:53**
